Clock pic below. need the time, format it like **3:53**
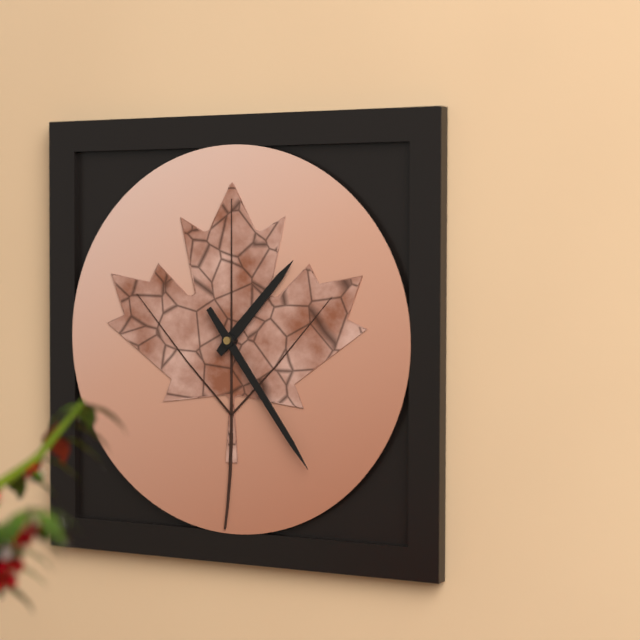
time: **1:24**
